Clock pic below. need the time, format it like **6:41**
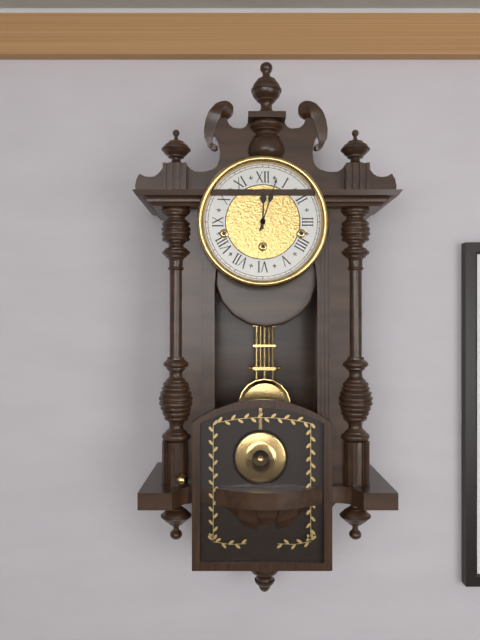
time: **12:03**
